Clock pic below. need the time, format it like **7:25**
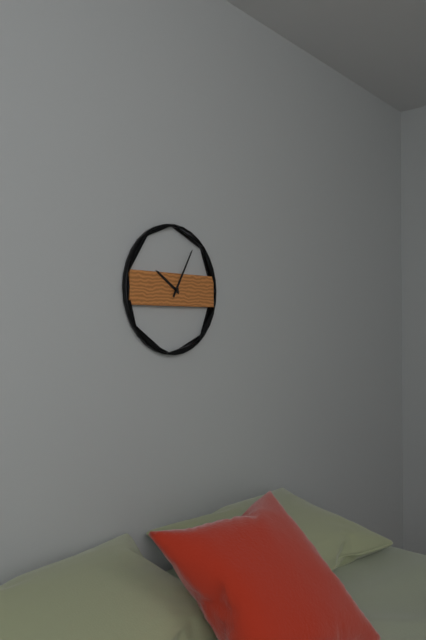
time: **10:05**
